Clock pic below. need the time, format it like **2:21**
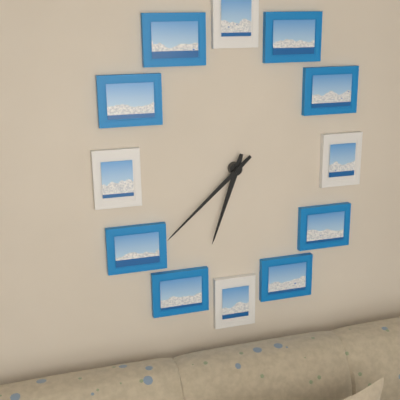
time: **6:38**
